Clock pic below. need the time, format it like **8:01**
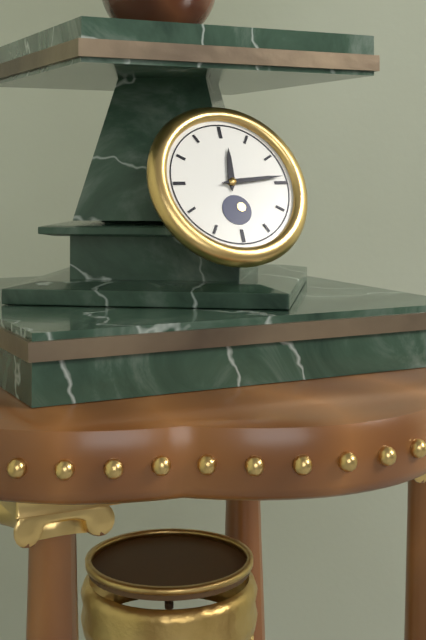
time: **12:14**
